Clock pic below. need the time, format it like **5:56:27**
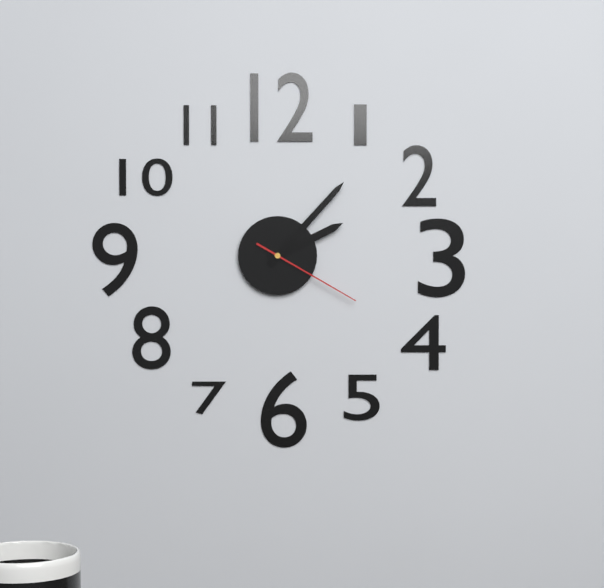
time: **2:07:20**
